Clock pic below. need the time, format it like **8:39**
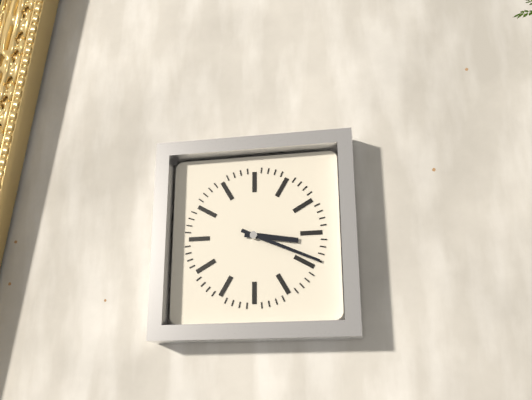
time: **3:19**
